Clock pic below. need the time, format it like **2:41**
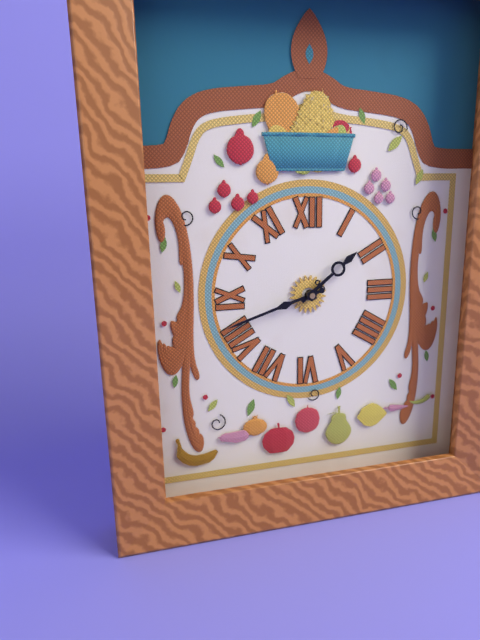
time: **1:42**
